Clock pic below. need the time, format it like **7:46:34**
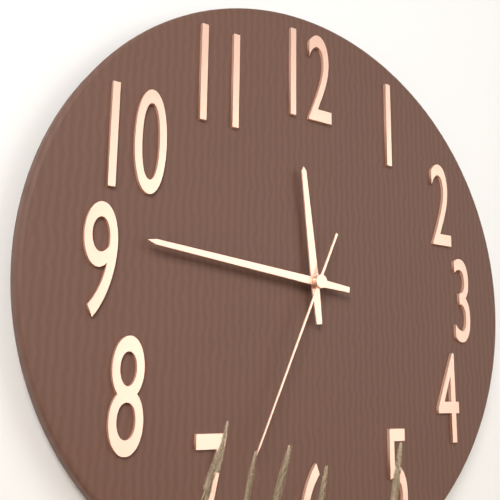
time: **11:46:34**
